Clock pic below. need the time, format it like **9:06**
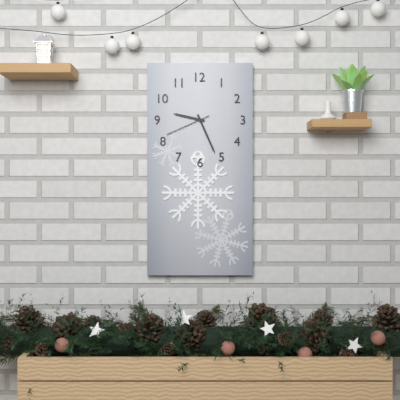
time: **9:26**
